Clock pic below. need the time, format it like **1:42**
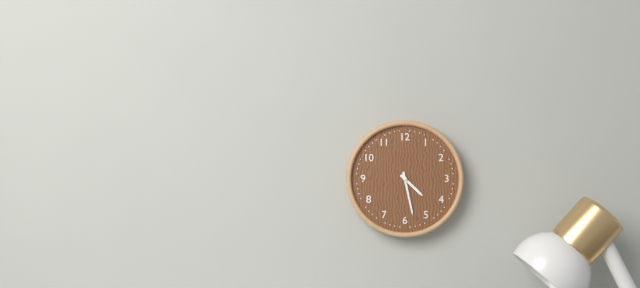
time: **4:28**
